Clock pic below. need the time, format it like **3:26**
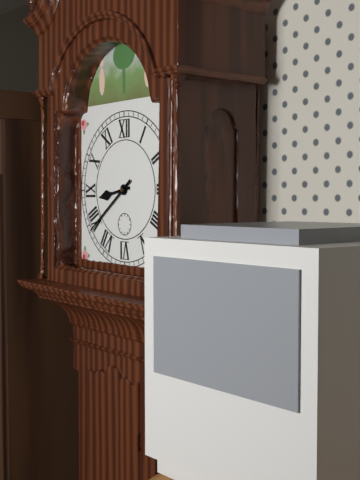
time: **8:39**
